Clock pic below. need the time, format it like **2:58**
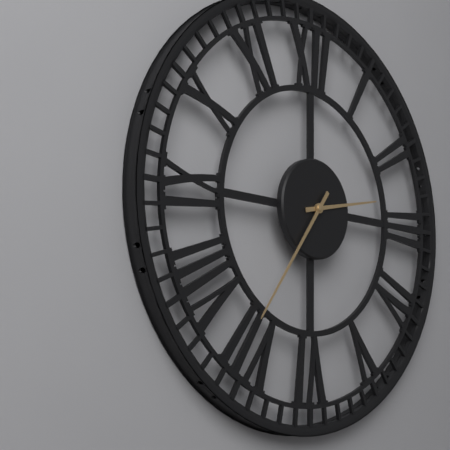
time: **2:36**
